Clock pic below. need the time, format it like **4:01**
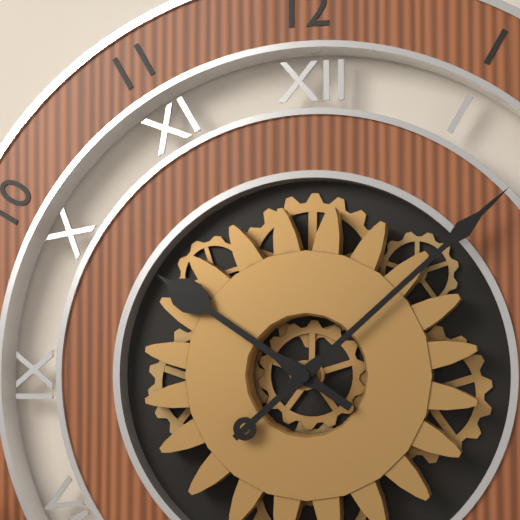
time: **10:08**
